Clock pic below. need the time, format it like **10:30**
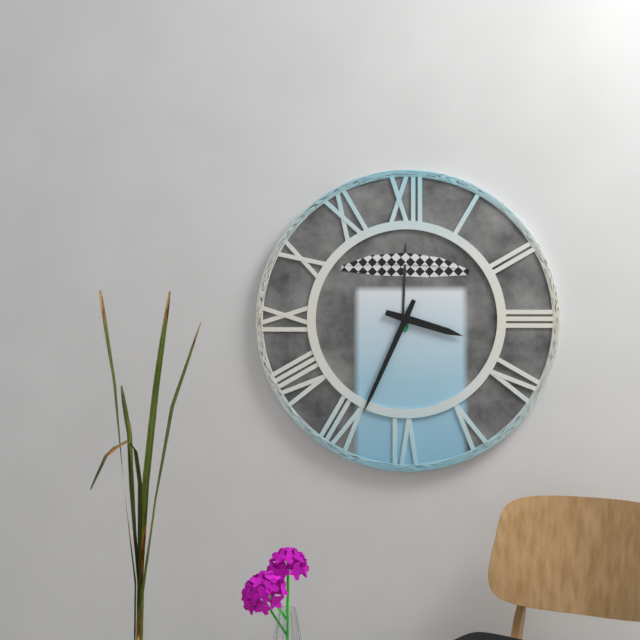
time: **3:34**
